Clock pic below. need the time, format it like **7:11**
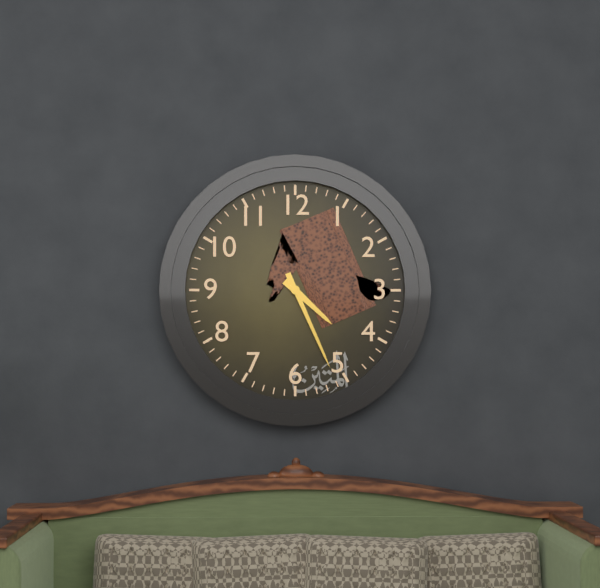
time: **4:26**
